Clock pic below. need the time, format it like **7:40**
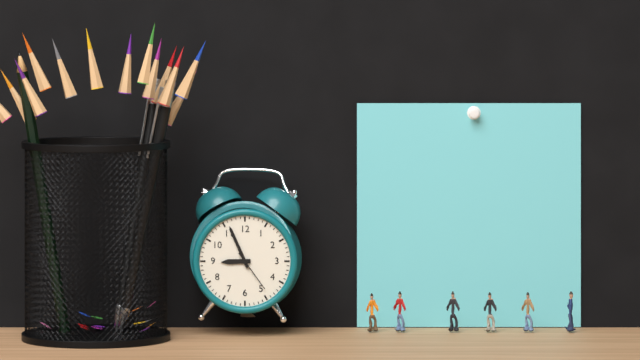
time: **8:56**
